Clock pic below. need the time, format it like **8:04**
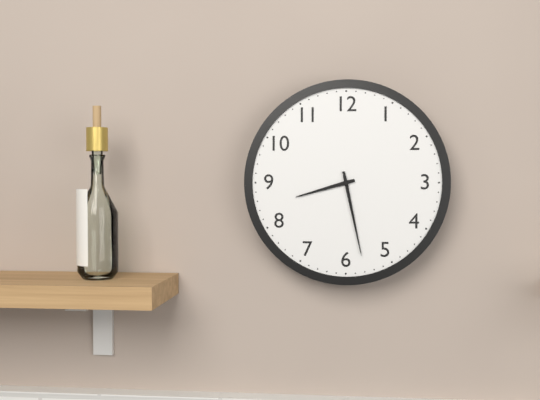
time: **8:28**
